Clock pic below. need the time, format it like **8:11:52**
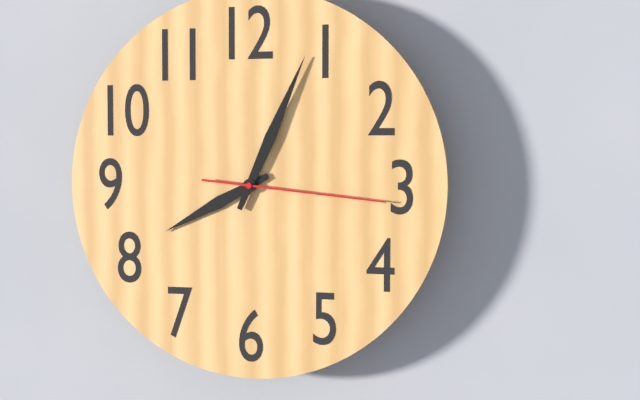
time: **8:04:16**
